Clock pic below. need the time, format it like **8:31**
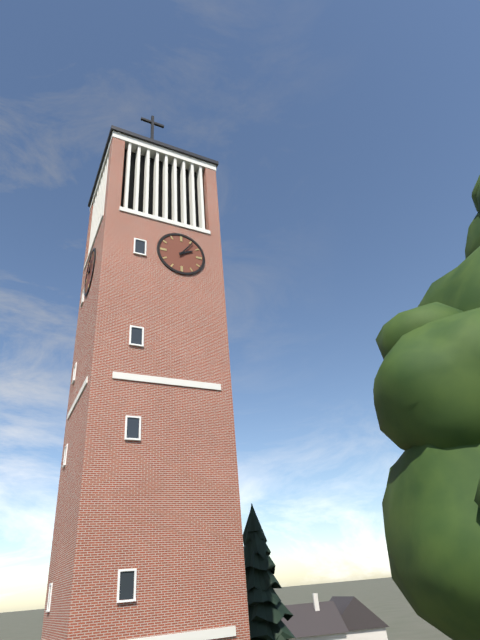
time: **2:06**
